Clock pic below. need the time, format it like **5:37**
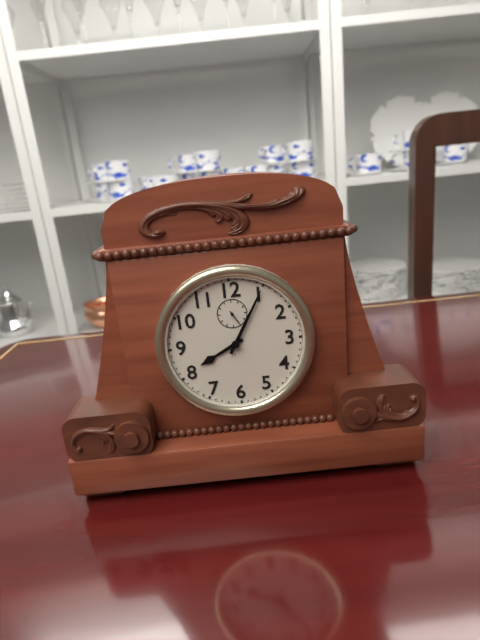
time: **8:05**
